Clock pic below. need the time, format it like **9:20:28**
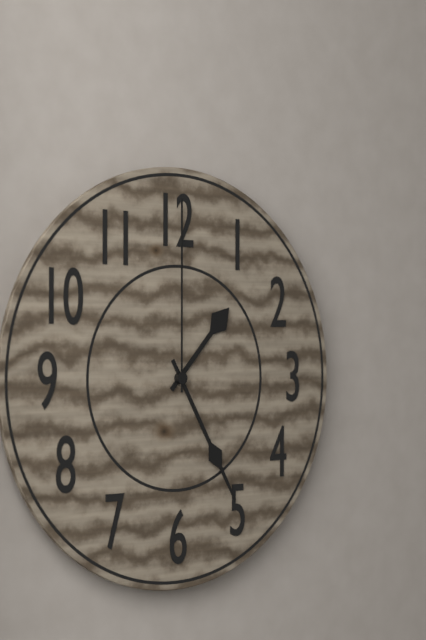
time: **1:25:00**
